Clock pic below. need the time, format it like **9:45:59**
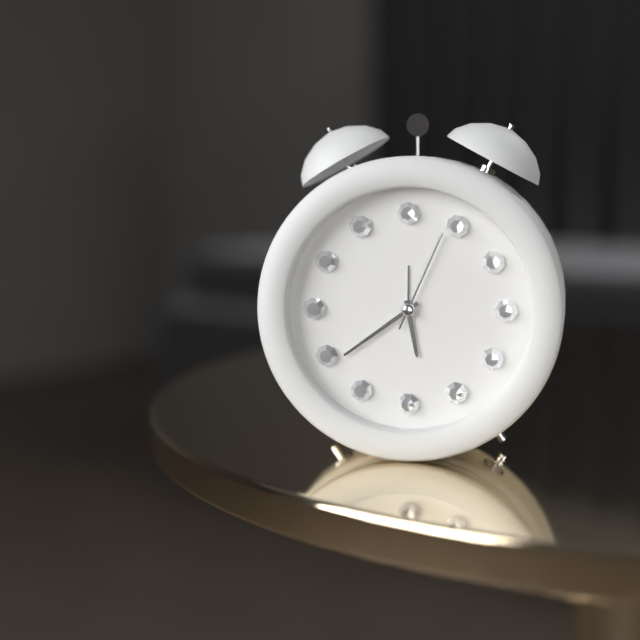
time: **5:39:04**
